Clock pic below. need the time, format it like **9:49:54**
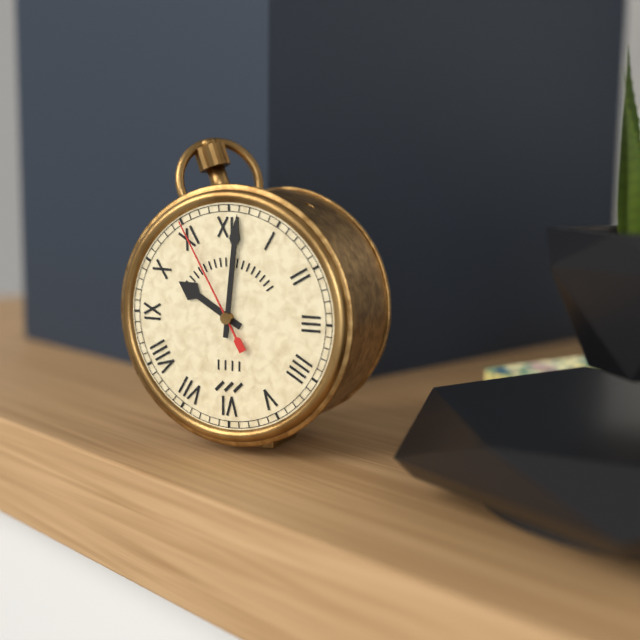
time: **10:01:55**
